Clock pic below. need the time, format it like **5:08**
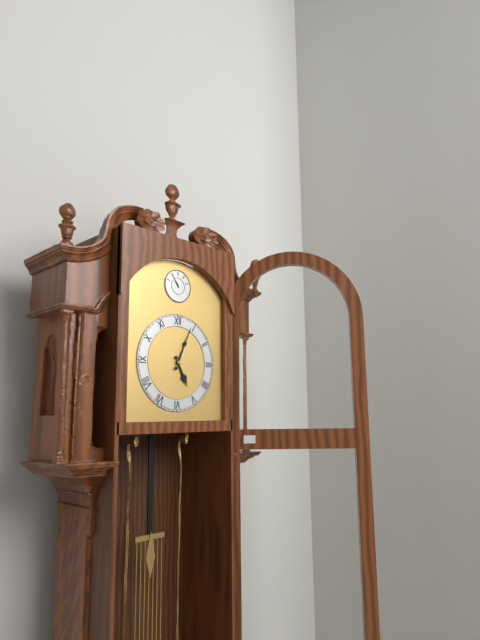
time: **5:04**
